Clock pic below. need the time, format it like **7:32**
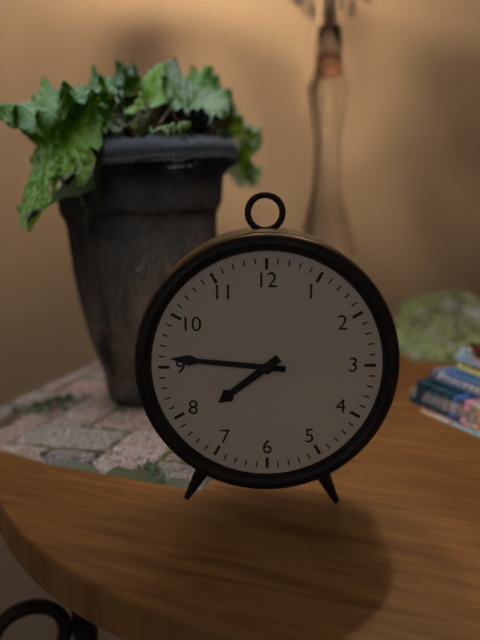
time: **7:46**
